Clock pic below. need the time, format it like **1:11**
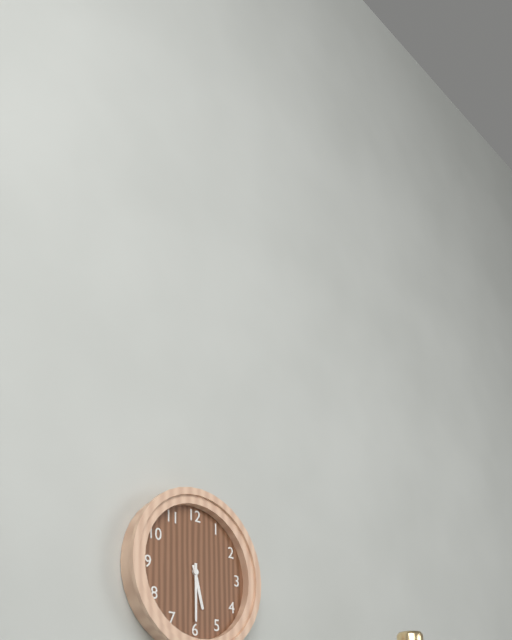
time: **5:30**
